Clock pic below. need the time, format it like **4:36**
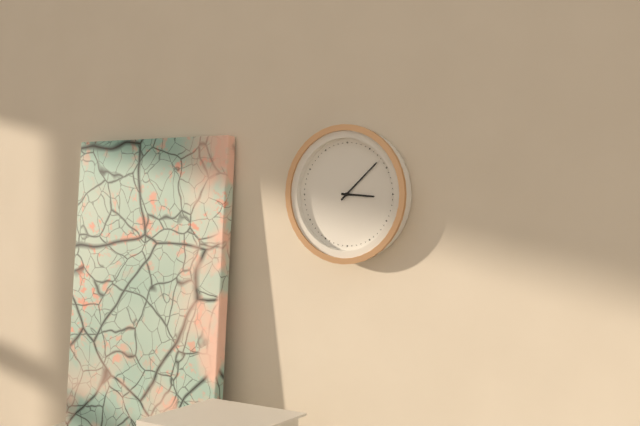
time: **3:08**
